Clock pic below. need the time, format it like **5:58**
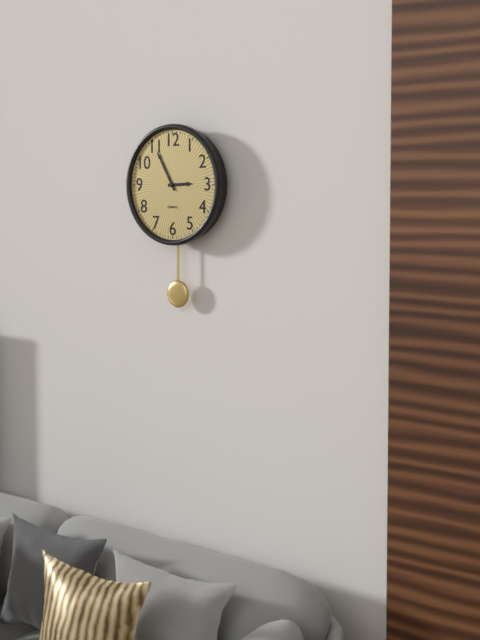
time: **2:55**
